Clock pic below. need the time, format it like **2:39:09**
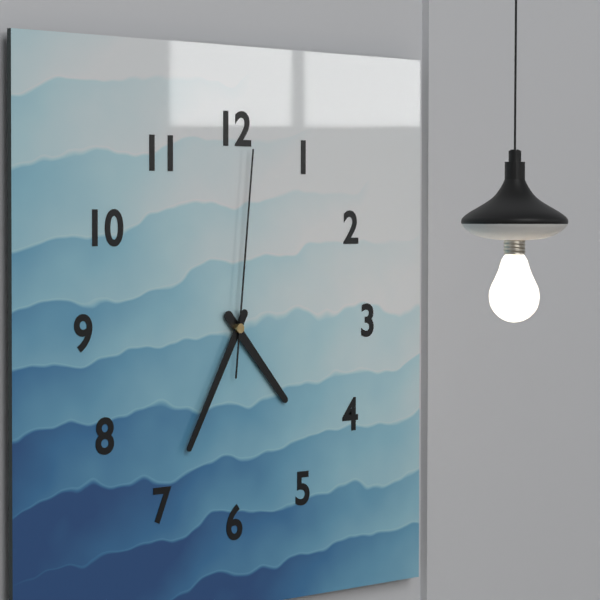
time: **4:35:01**
